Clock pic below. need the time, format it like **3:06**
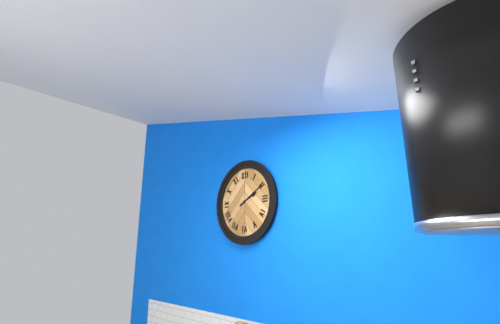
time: **2:10**
